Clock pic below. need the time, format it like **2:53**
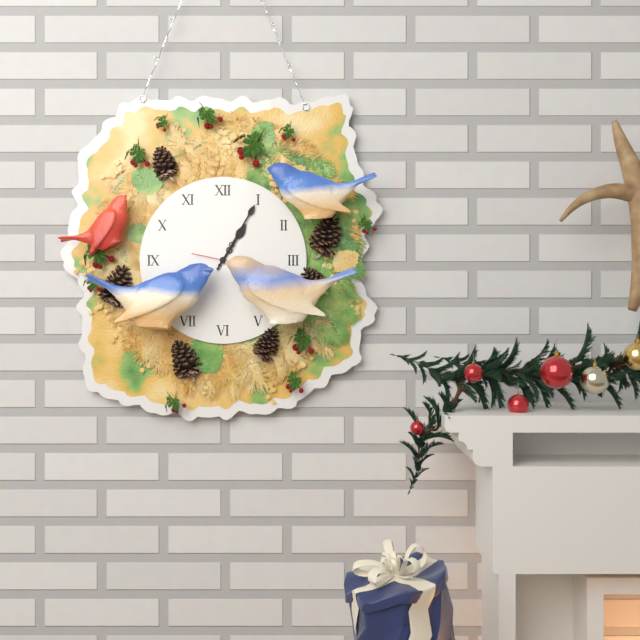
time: **1:05**
